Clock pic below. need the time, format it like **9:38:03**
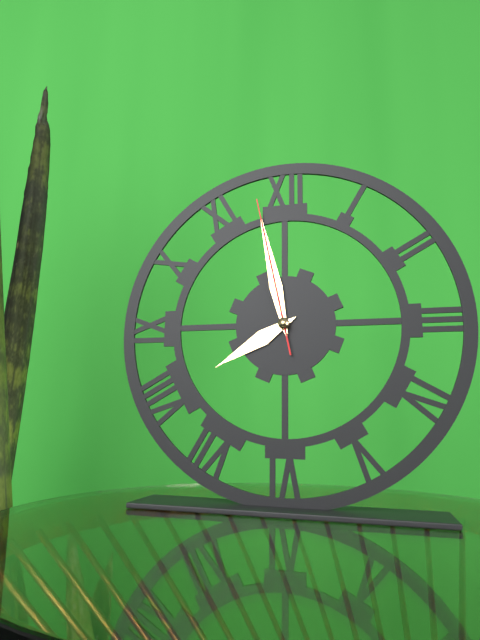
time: **7:58:58**
